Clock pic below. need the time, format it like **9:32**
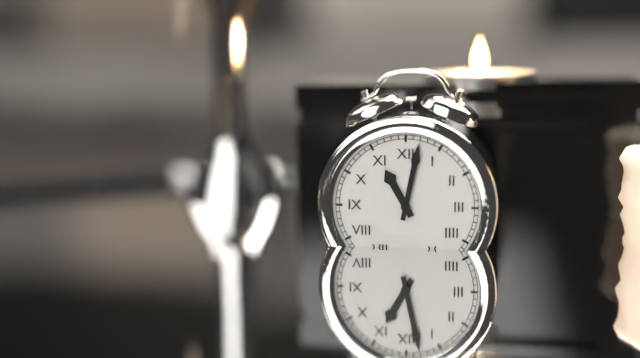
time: **11:02**
